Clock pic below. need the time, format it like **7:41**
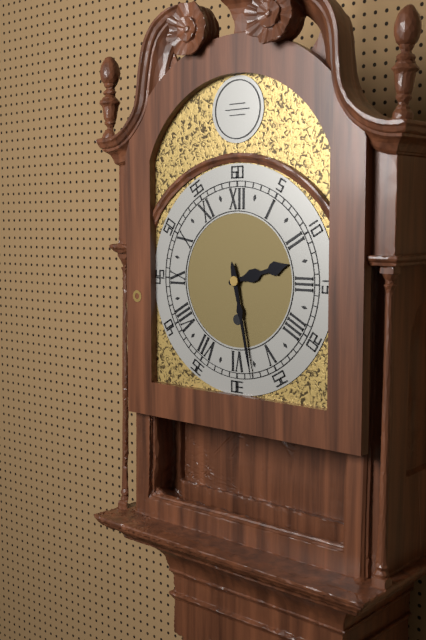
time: **2:28**
